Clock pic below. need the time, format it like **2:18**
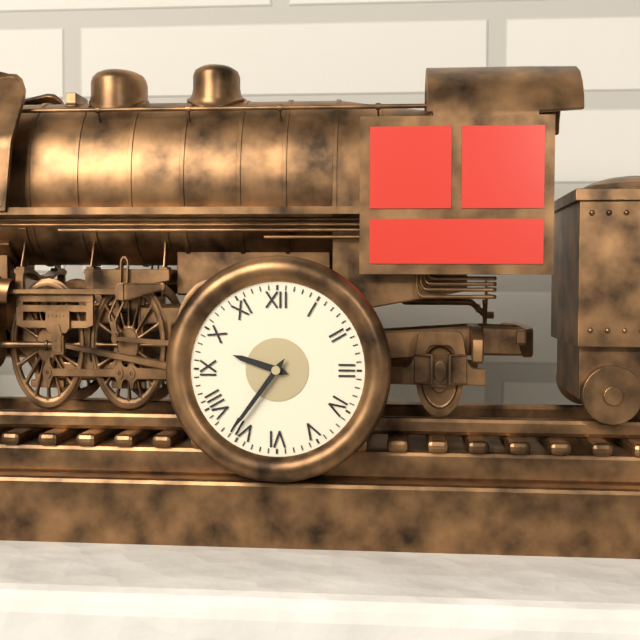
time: **9:36**
